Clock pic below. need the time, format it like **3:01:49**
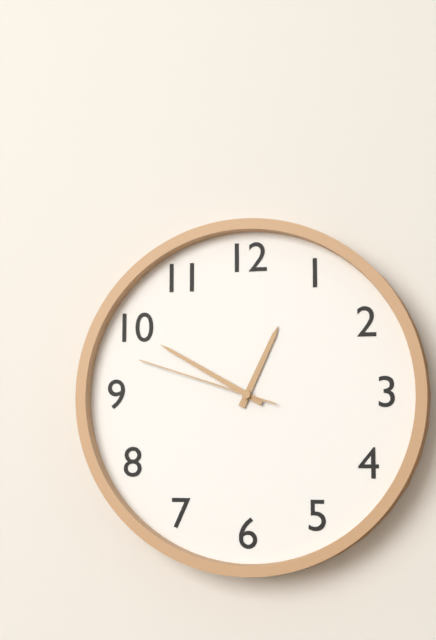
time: **12:50:48**
